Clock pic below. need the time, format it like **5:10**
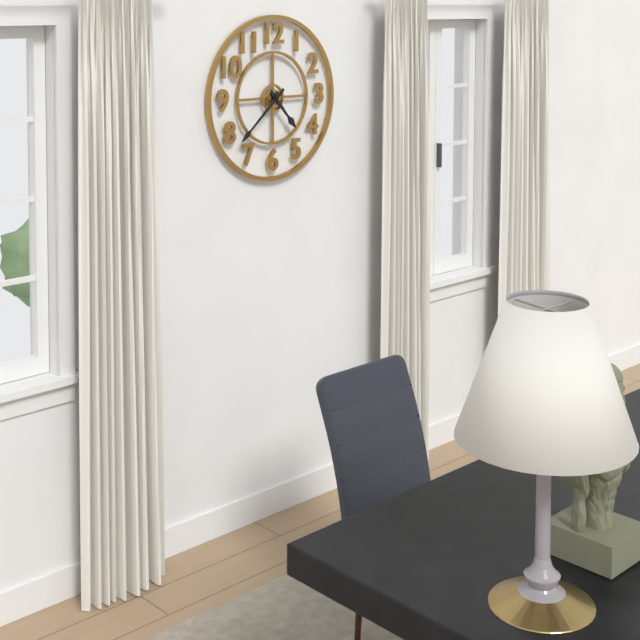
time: **4:38**
